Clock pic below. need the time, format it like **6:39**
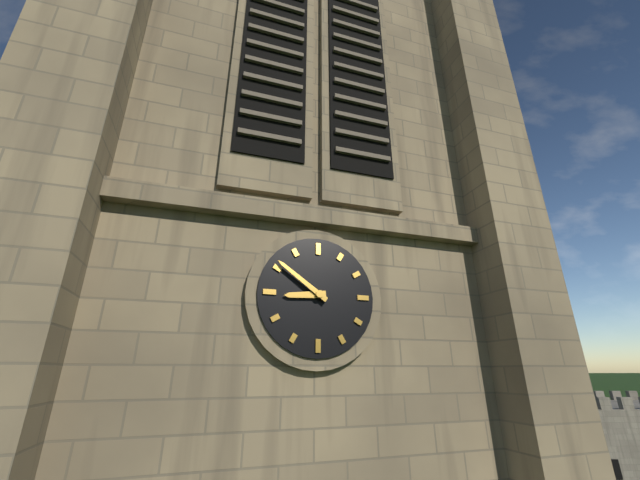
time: **8:51**
